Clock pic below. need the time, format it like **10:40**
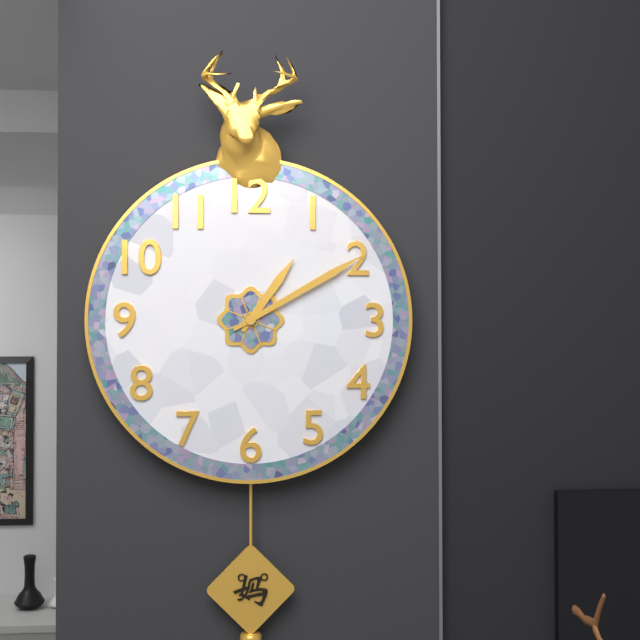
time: **1:10**
